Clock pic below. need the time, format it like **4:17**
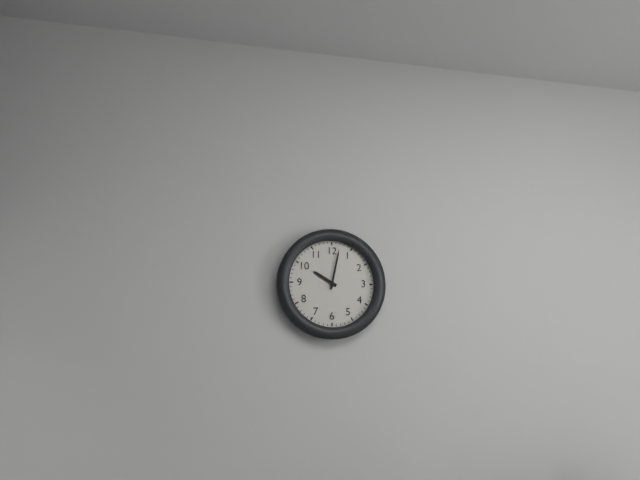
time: **10:02**
